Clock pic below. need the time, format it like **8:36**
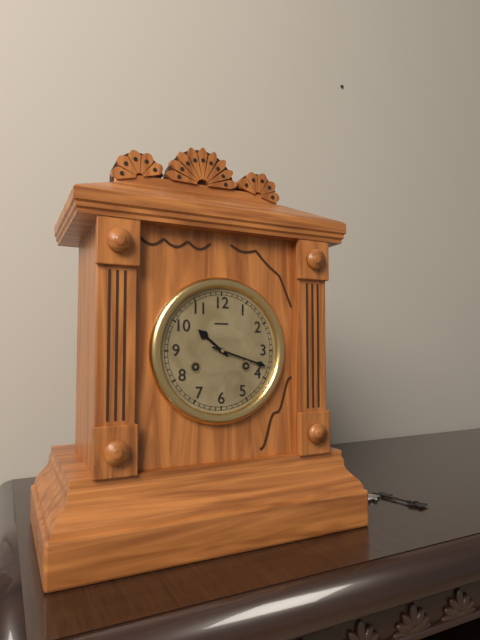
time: **10:18**
